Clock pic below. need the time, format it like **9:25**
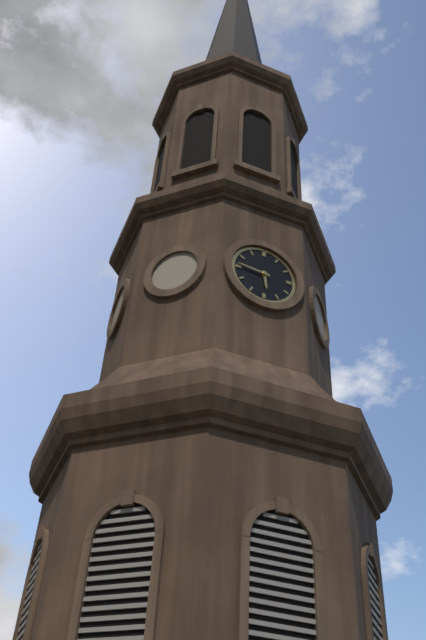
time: **5:46**
